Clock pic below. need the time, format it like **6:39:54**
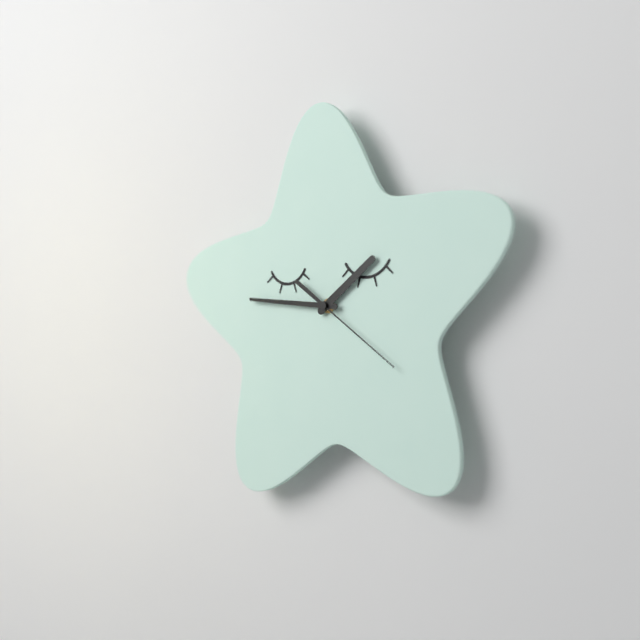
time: **1:46:21**
